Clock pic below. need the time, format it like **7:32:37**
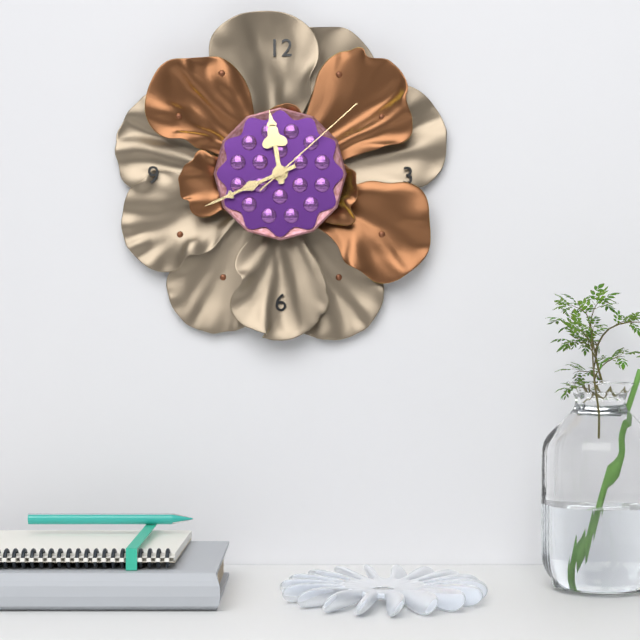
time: **11:41:08**
